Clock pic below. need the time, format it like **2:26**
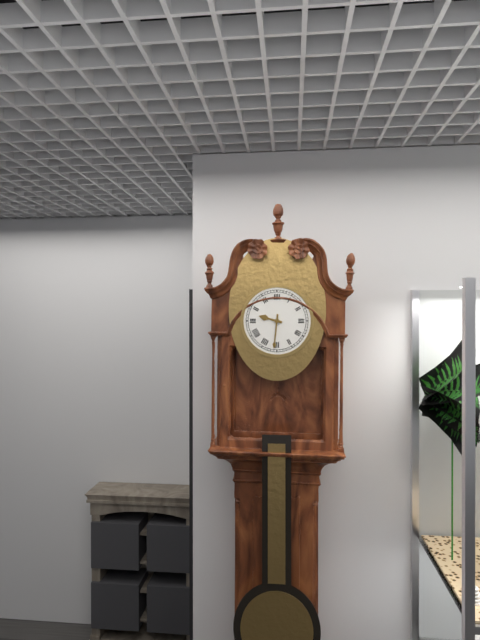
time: **9:31**
